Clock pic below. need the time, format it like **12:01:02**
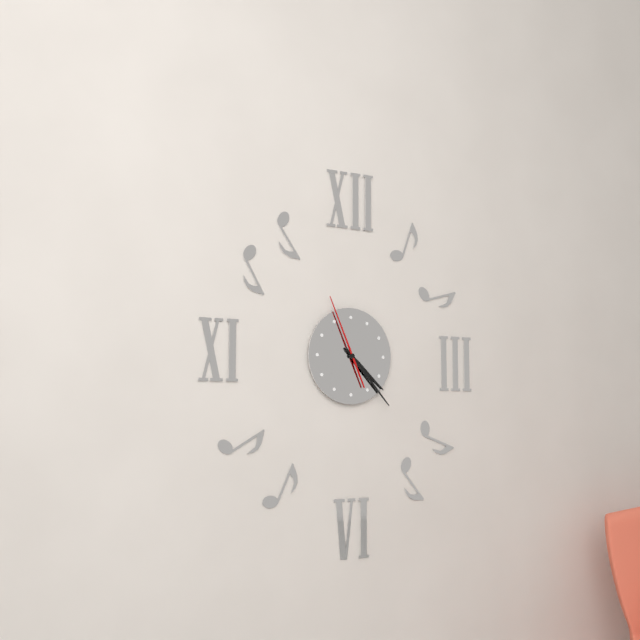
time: **4:23:56**
